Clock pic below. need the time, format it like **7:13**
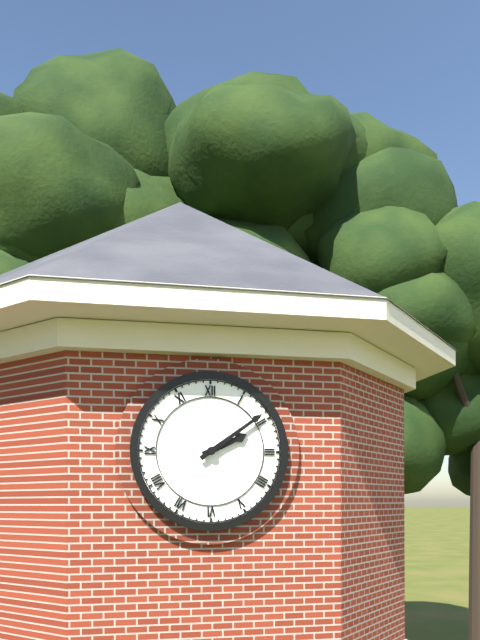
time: **2:09**
